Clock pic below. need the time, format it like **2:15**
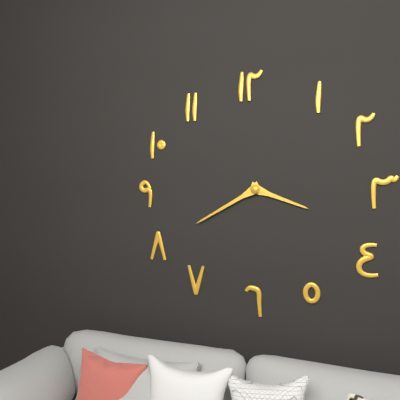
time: **3:40**
